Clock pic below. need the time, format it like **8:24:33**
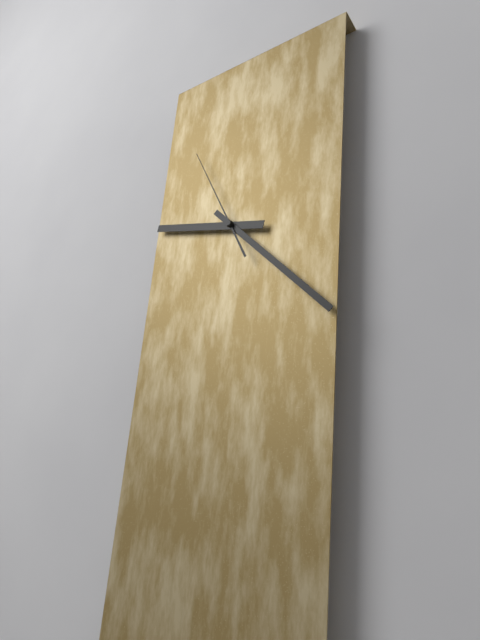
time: **9:22:55**
